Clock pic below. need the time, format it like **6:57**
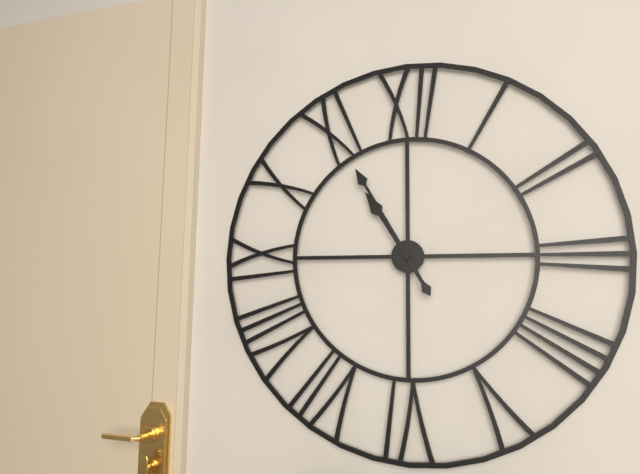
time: **10:55**
